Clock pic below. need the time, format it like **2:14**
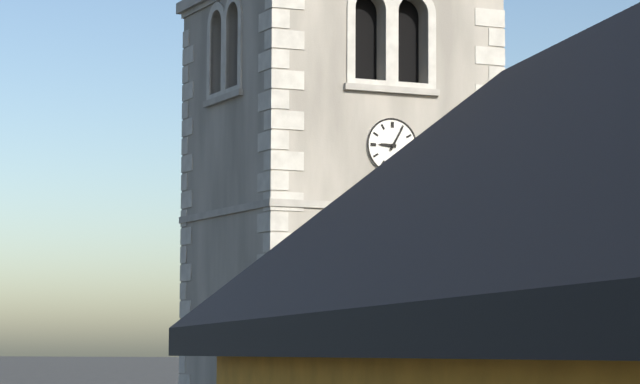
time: **9:05**
